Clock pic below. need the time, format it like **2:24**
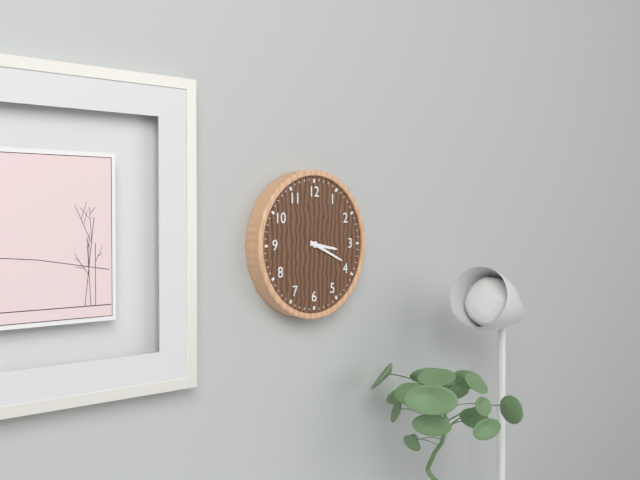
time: **3:19**
